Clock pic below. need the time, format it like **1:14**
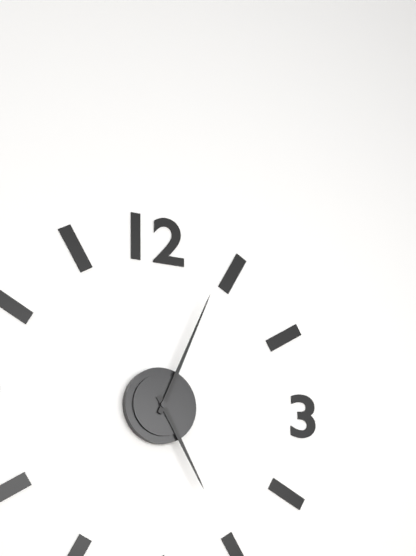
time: **5:04**
